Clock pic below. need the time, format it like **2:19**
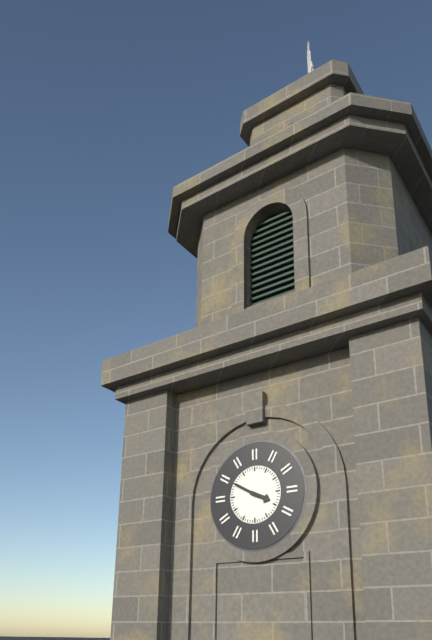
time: **3:50**
